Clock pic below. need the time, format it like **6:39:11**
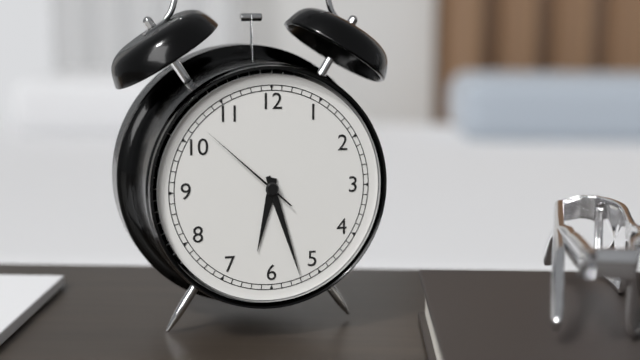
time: **6:27:52**
